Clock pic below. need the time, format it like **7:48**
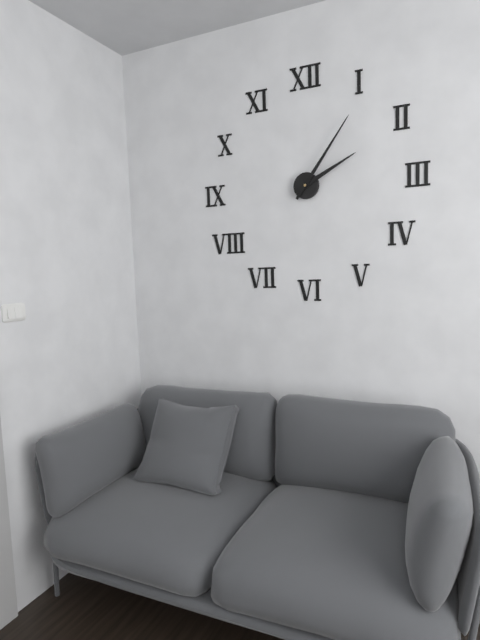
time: **2:06**
